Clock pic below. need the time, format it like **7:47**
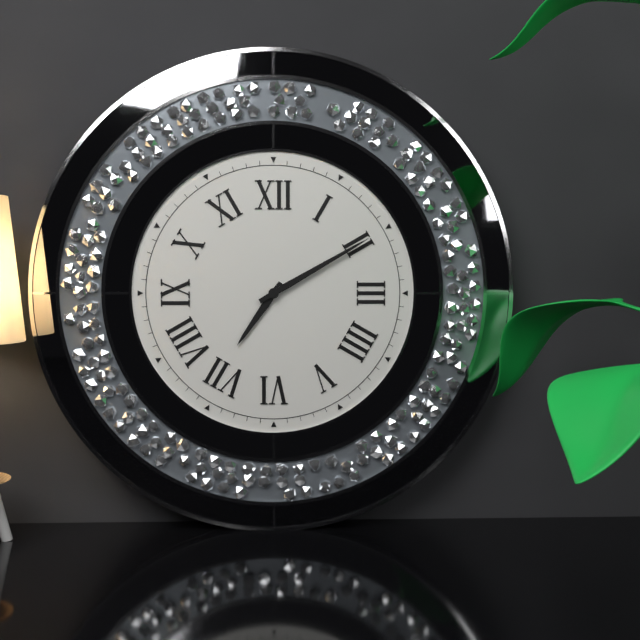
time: **7:10**
